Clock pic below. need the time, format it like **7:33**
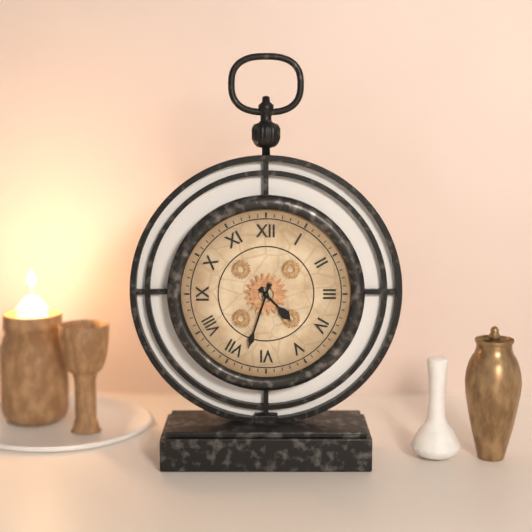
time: **4:33**
